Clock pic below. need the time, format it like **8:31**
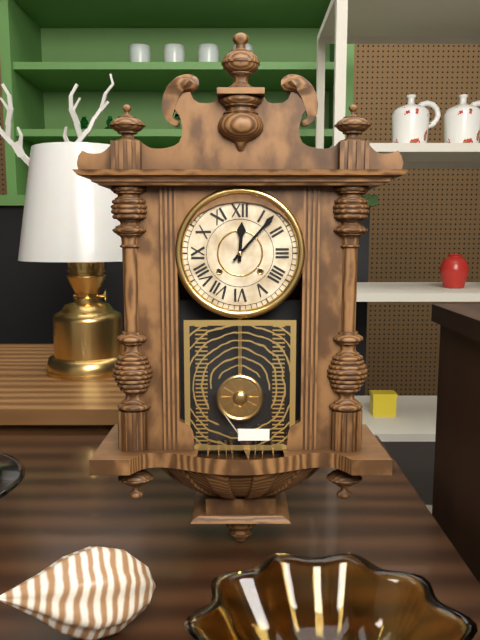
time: **12:07**
